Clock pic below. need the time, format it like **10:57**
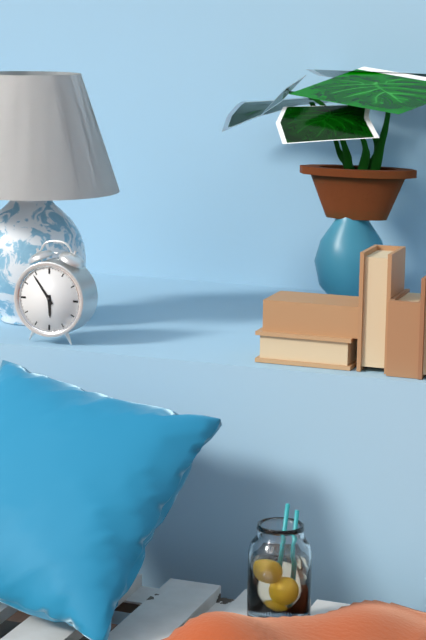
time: **5:54**
